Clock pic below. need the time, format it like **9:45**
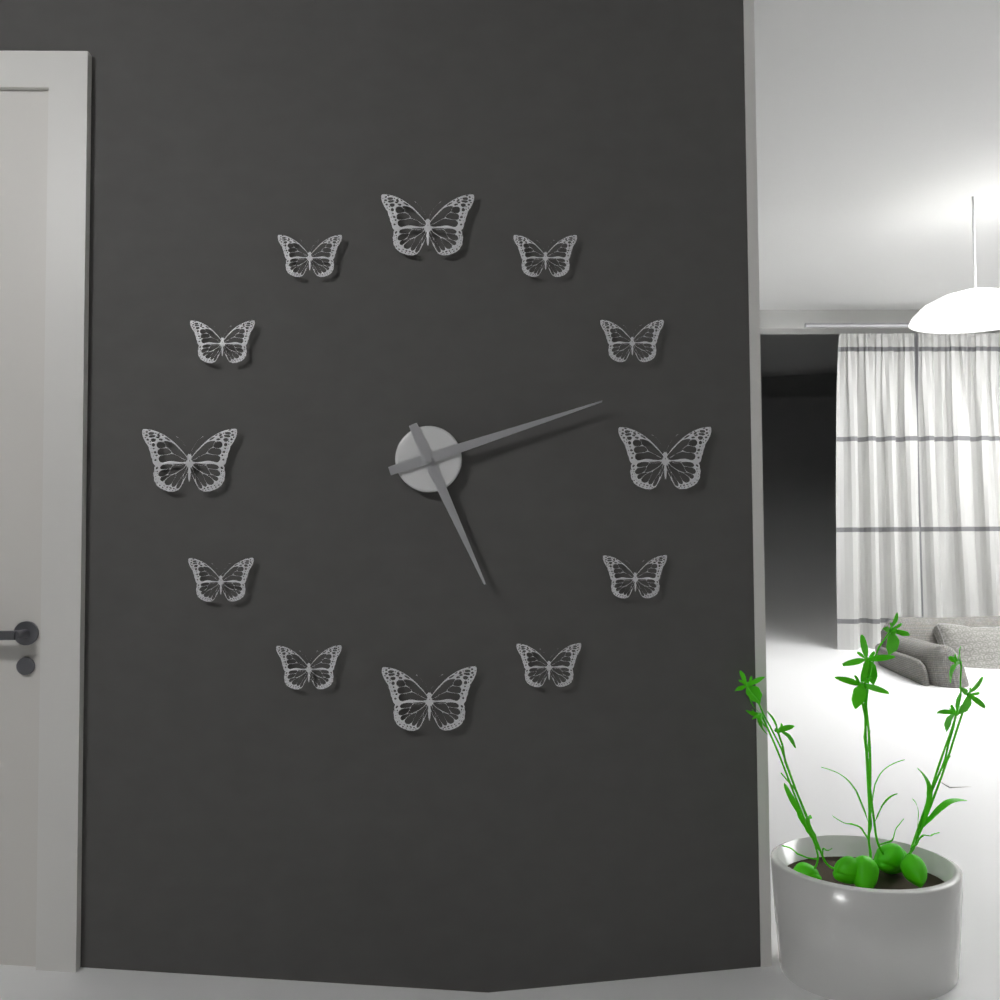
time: **5:12**
